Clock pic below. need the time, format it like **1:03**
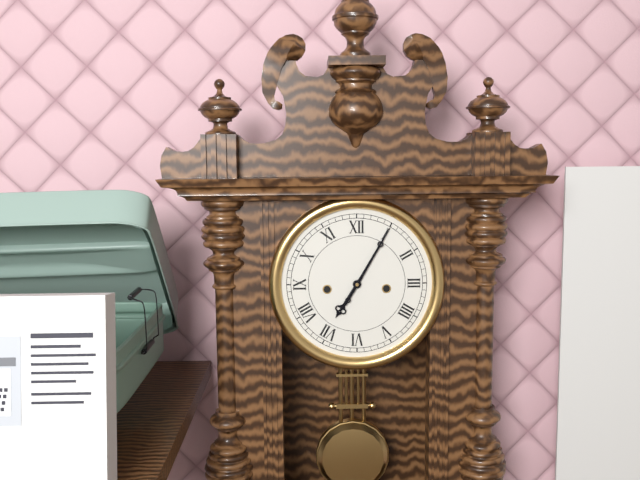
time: **7:05**
